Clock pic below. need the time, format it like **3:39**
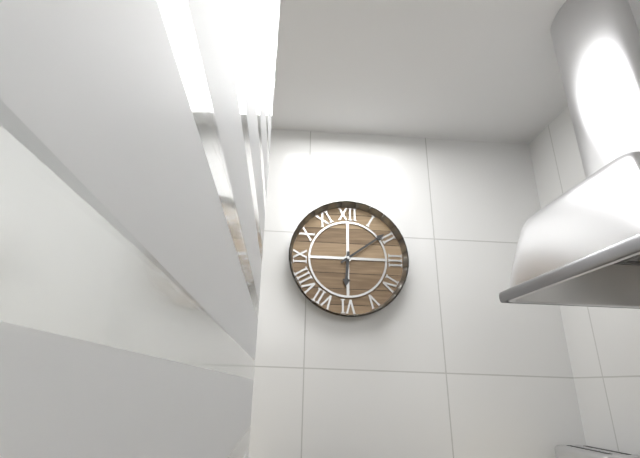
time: **6:09**
